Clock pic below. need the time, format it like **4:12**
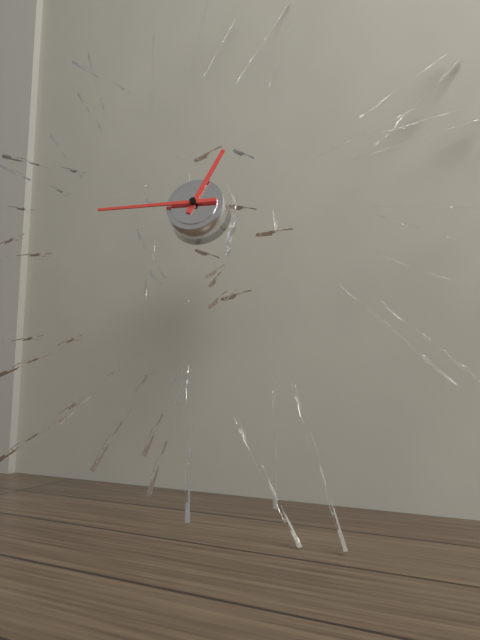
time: **12:45**
